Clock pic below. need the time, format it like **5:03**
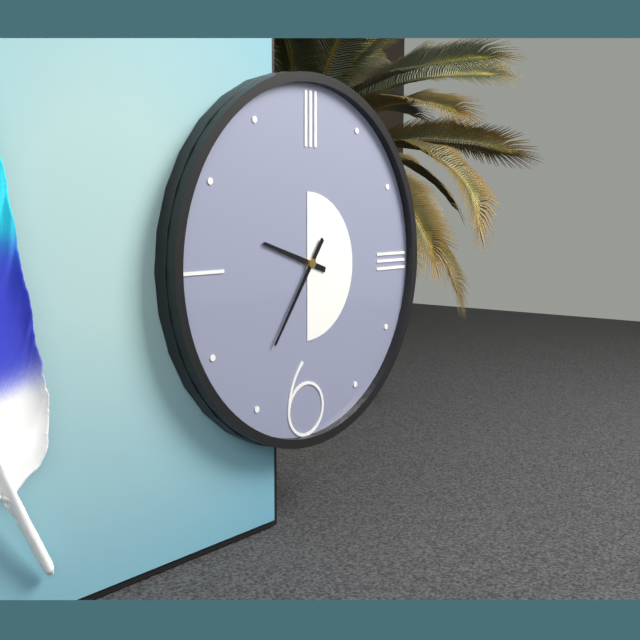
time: **9:36**
